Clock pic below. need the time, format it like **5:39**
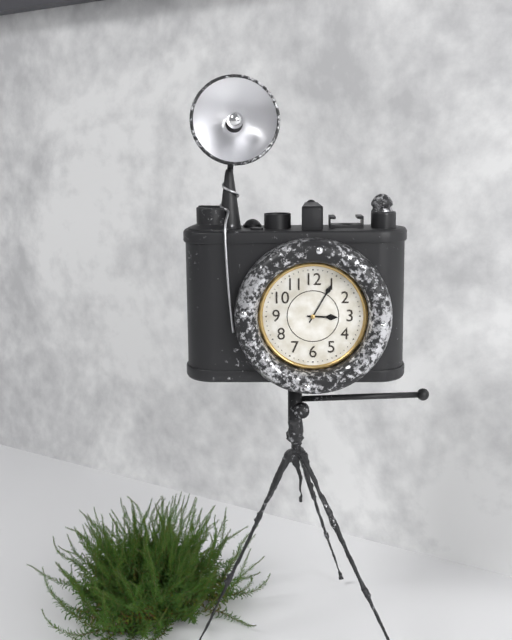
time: **3:05**
